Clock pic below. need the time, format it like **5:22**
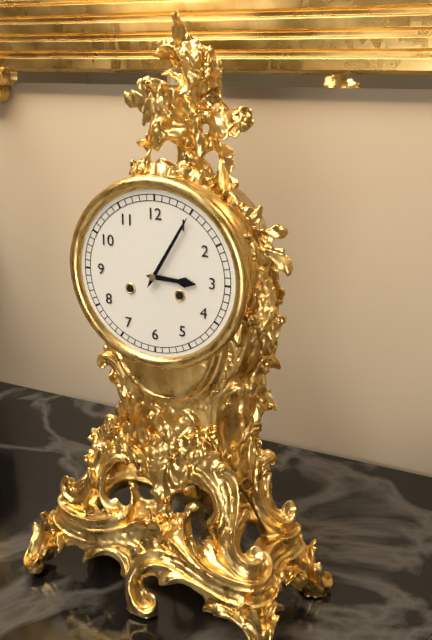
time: **3:05**
